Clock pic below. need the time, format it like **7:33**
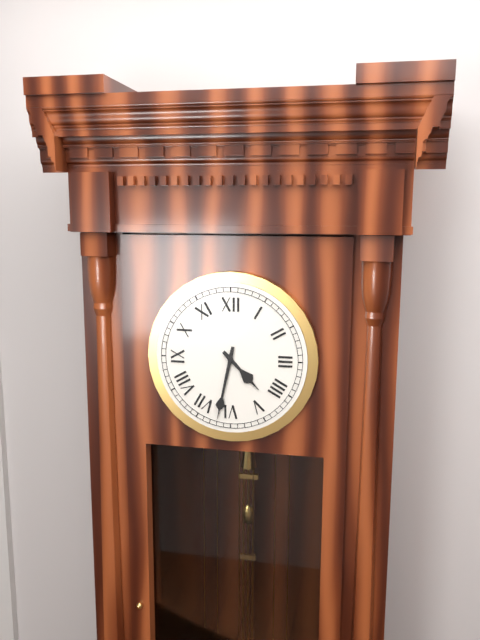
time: **4:32**
